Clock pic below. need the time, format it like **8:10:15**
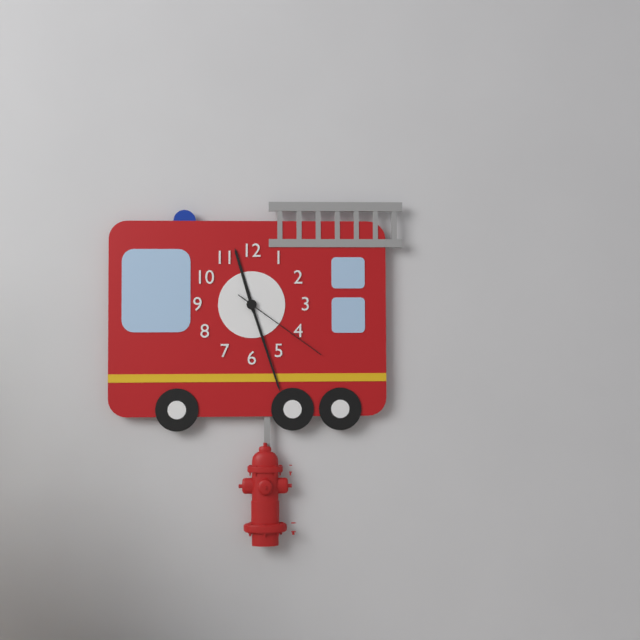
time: **11:27:21**
